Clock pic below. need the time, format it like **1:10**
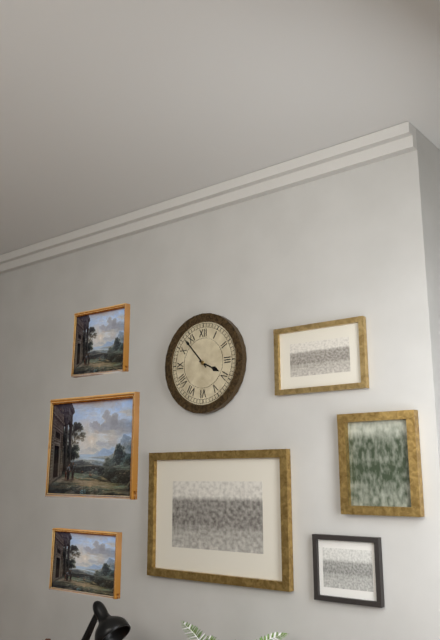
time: **3:53**
